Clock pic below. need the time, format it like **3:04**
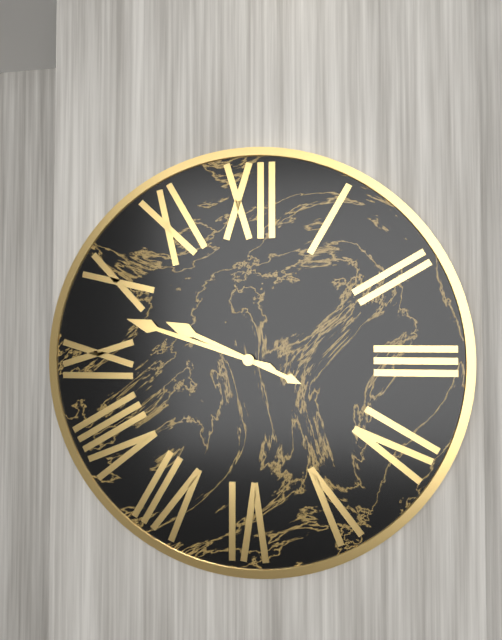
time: **9:48**
